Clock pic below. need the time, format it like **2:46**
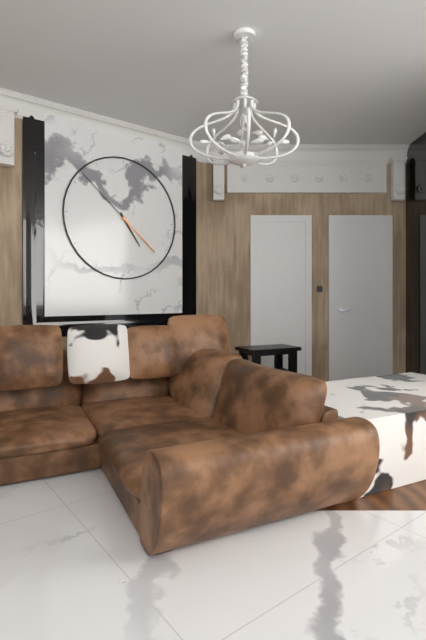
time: **4:52**
